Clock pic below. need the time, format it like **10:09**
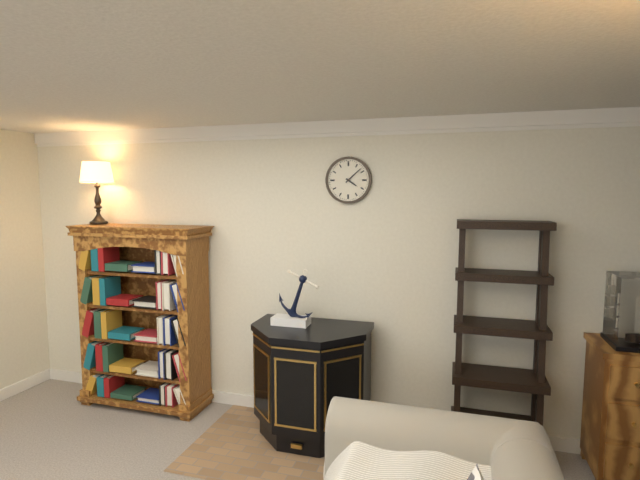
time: **4:08**
